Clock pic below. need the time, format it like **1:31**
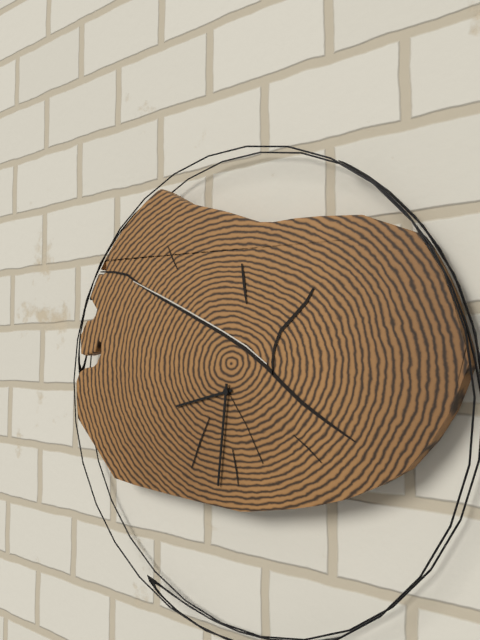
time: **8:31**
